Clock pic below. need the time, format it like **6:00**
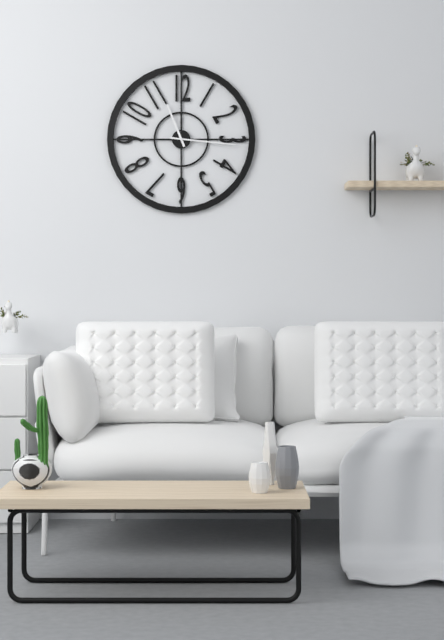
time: **11:16**
